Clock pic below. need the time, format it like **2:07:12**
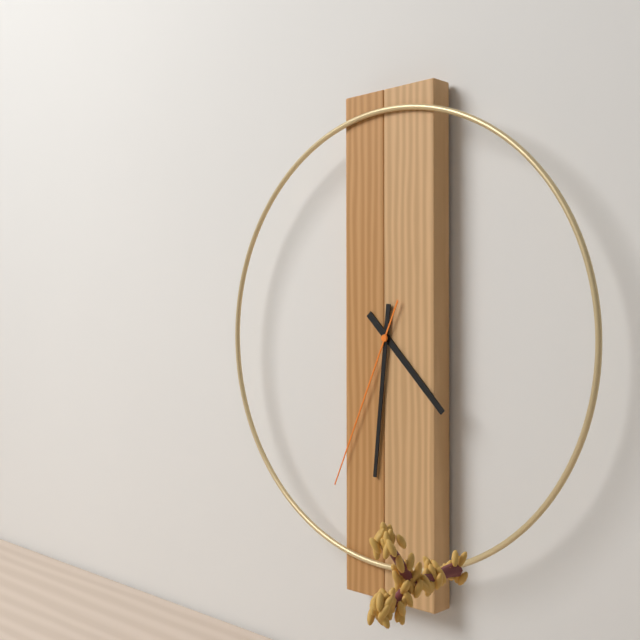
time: **4:31:34**
